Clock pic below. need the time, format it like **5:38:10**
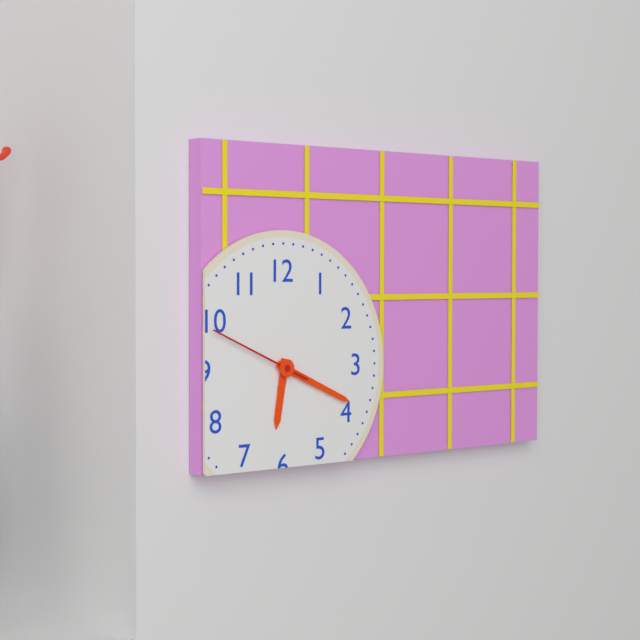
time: **6:19:49**
